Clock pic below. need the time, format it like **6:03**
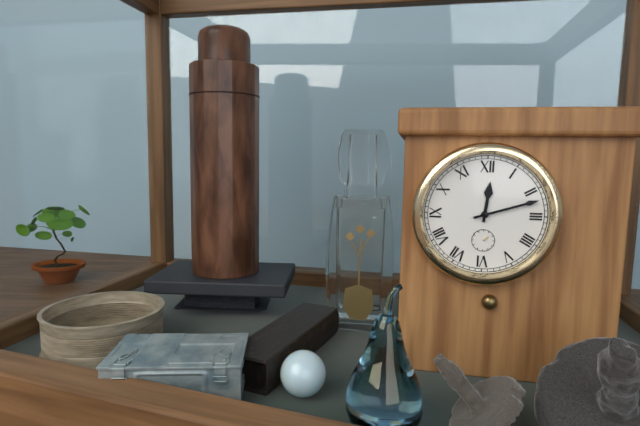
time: **12:12**
